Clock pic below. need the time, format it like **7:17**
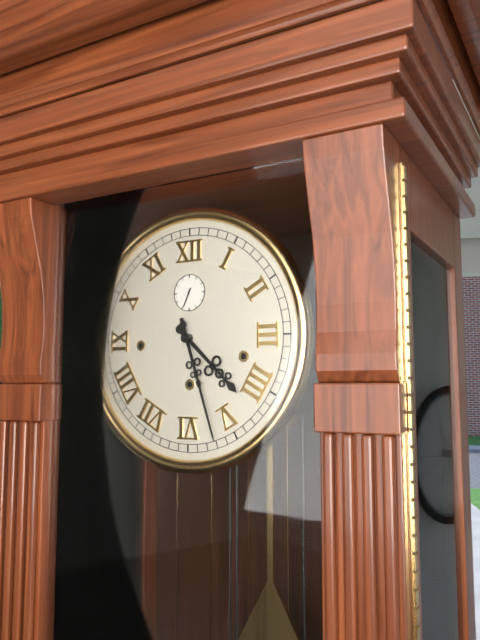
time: **4:27**
